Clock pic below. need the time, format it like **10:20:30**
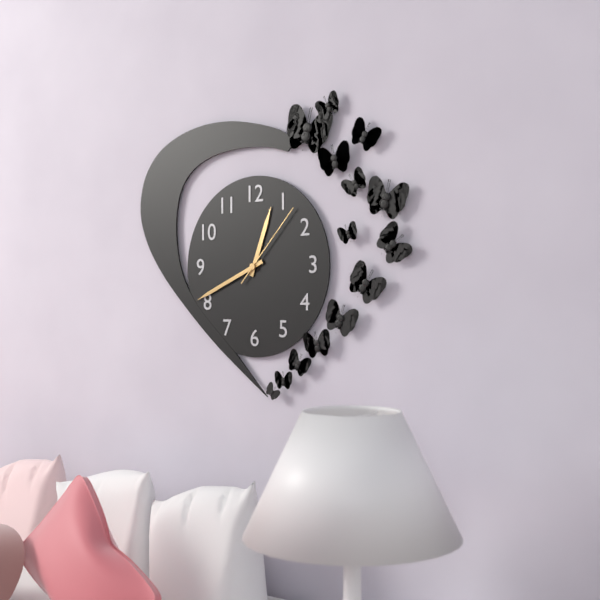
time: **12:41:07**
